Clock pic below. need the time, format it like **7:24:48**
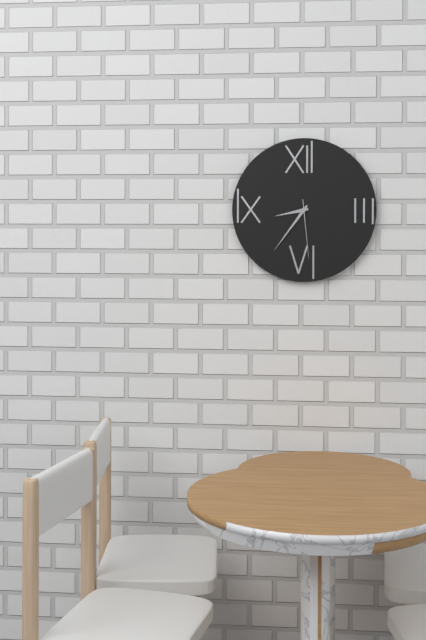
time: **8:36:29**
